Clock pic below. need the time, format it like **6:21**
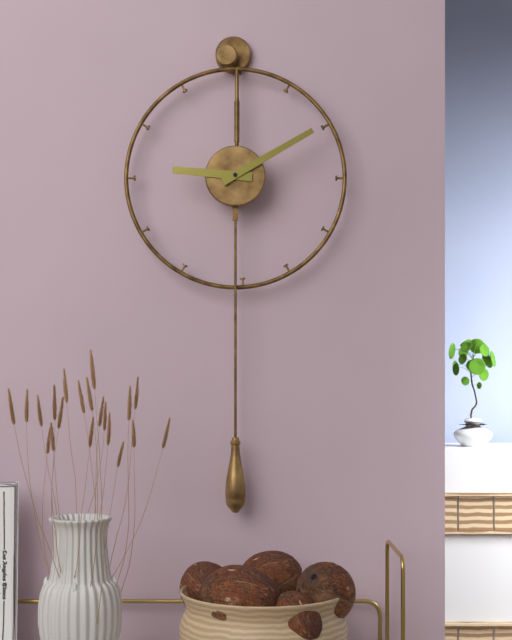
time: **9:10**
